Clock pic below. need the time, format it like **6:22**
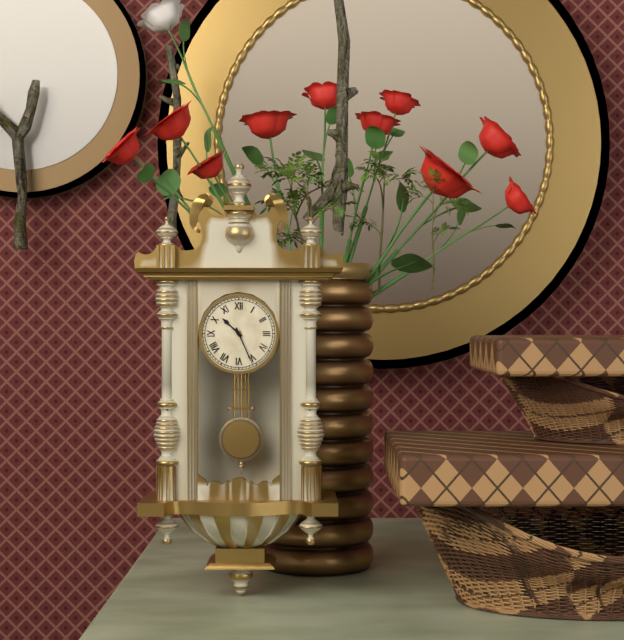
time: **10:26**
